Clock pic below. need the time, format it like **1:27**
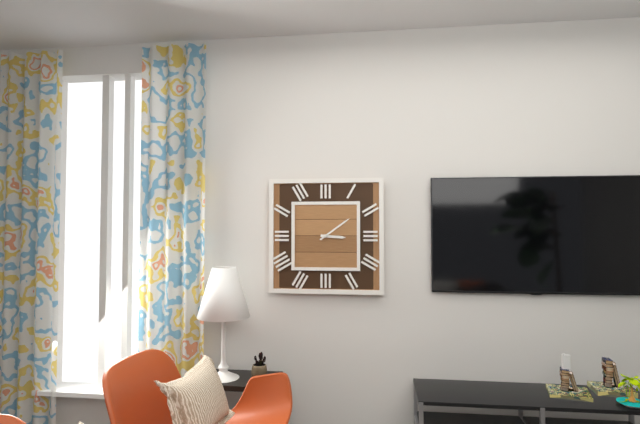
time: **3:09**
